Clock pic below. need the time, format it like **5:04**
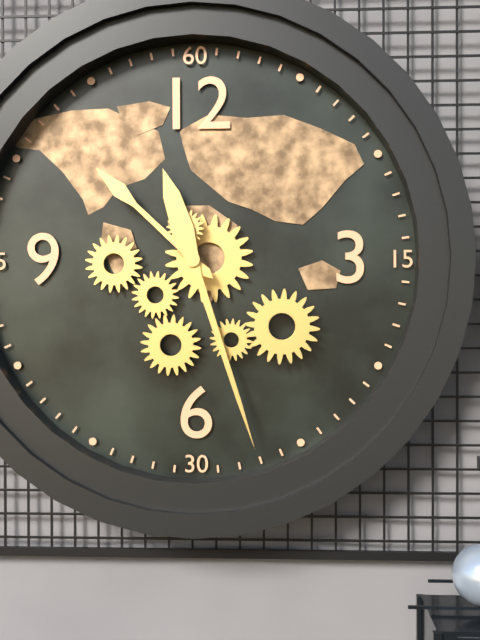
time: **10:27**
